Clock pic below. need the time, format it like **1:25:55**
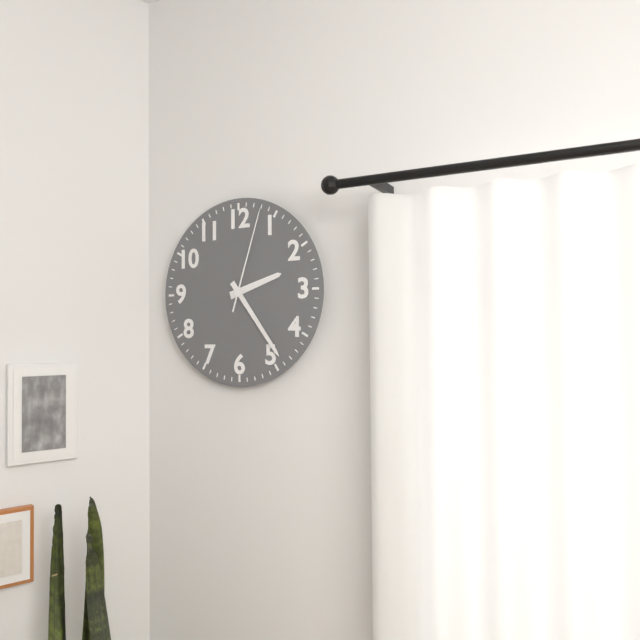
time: **2:24:03**
